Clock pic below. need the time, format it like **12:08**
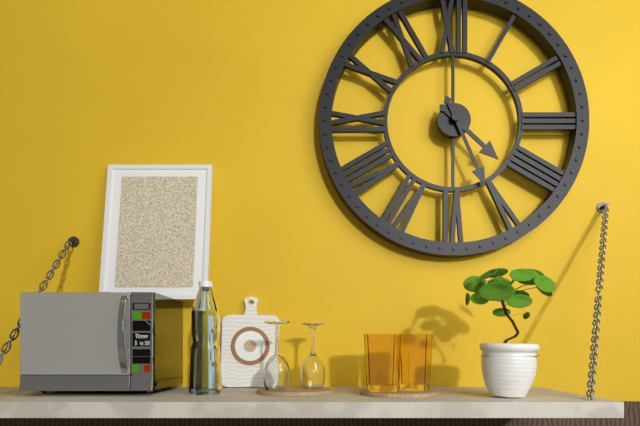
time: **4:26**
